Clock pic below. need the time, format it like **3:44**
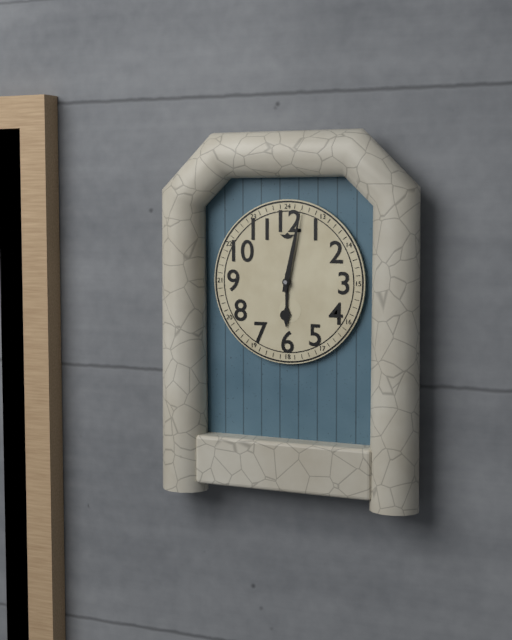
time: **6:02**
